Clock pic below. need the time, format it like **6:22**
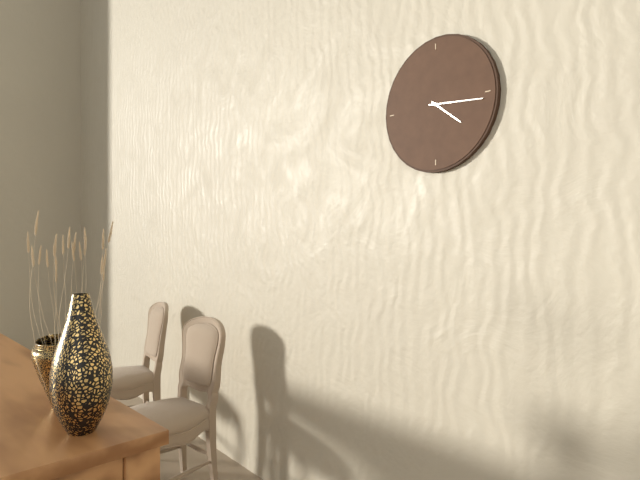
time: **4:16**
